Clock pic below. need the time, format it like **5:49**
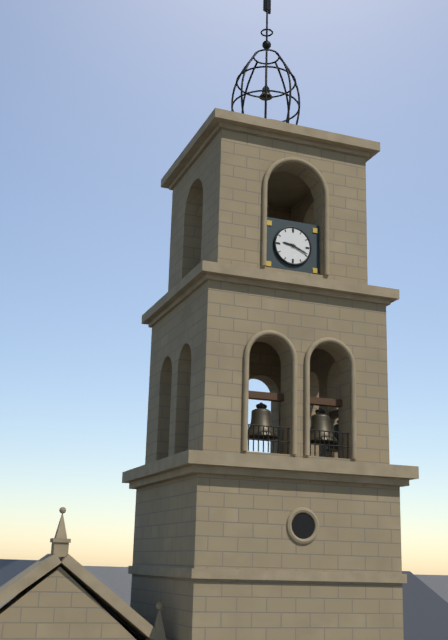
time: **9:19**
